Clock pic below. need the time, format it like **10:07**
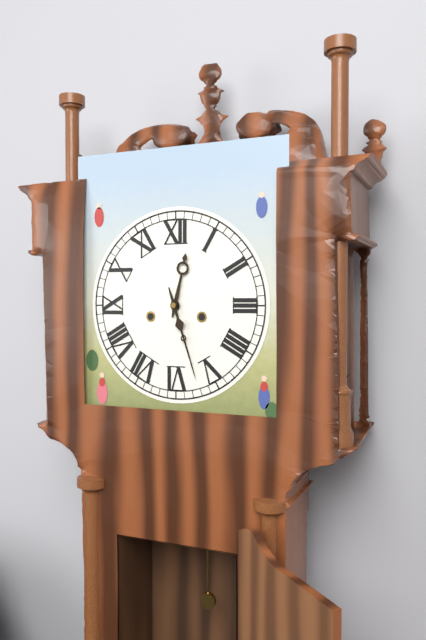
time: **12:27**
